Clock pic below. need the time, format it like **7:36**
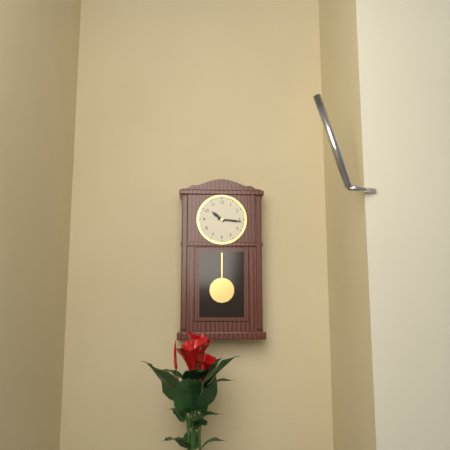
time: **10:16**
